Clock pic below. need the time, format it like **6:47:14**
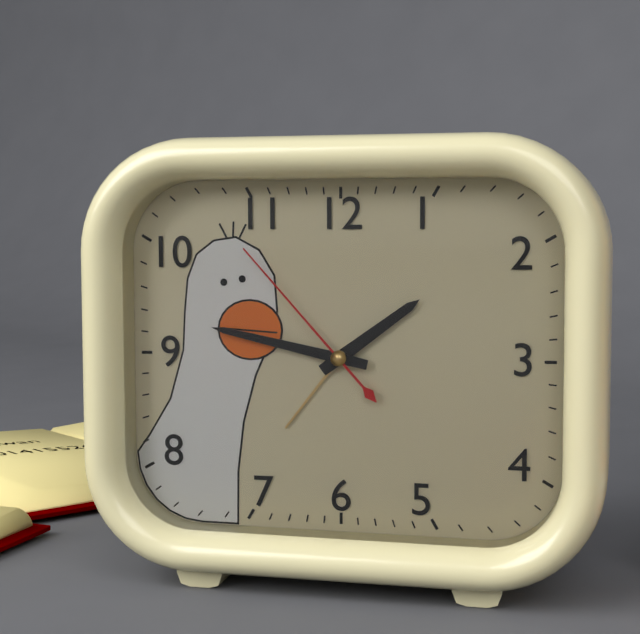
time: **1:47:53**
